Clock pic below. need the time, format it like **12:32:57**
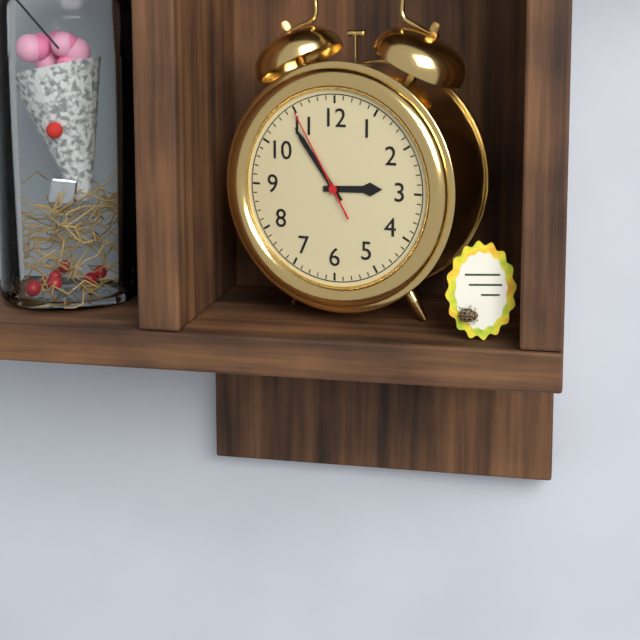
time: **2:54:55**
